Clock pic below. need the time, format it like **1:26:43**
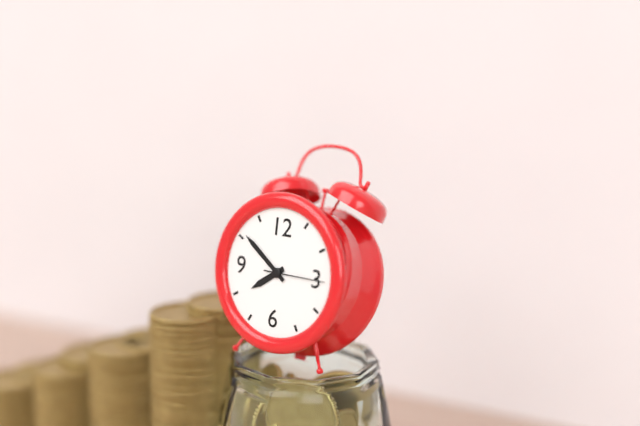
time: **7:51:15**
